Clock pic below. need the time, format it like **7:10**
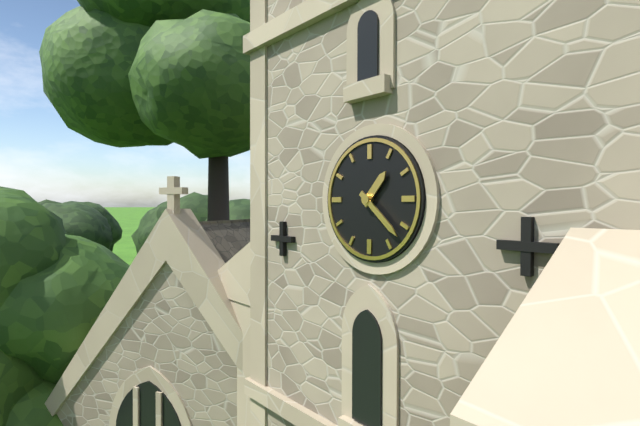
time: **1:22**
